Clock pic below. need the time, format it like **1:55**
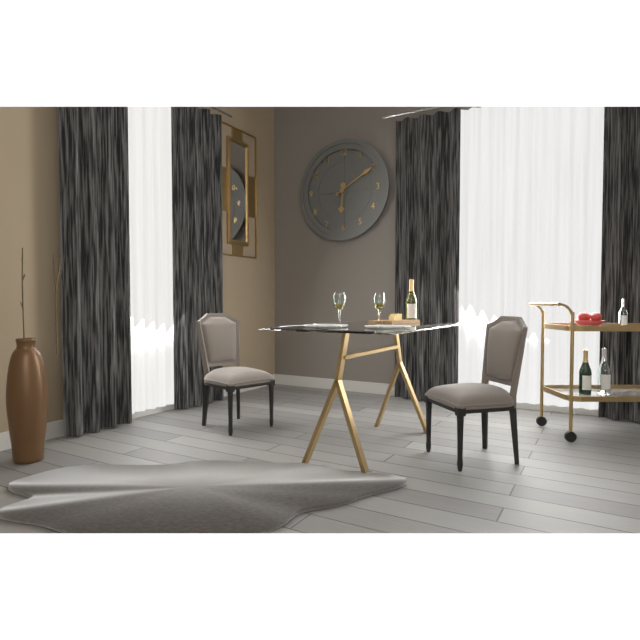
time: **6:10**
